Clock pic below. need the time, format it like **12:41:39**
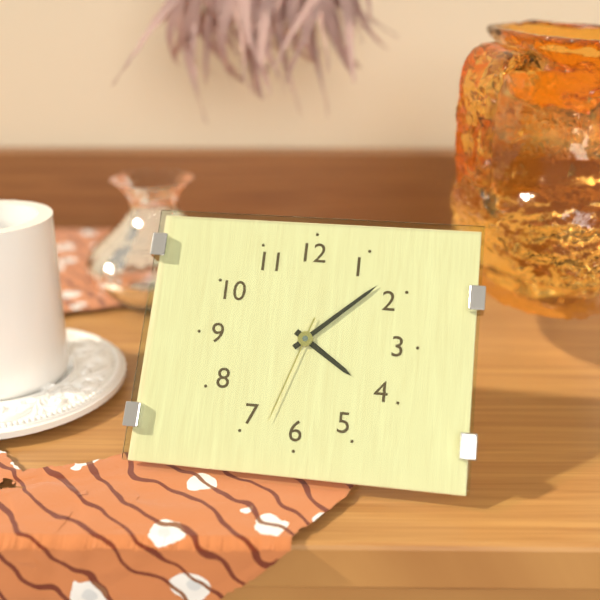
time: **4:08:33**
